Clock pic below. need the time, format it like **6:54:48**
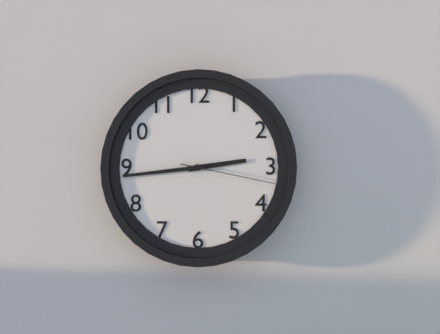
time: **2:44:17**
